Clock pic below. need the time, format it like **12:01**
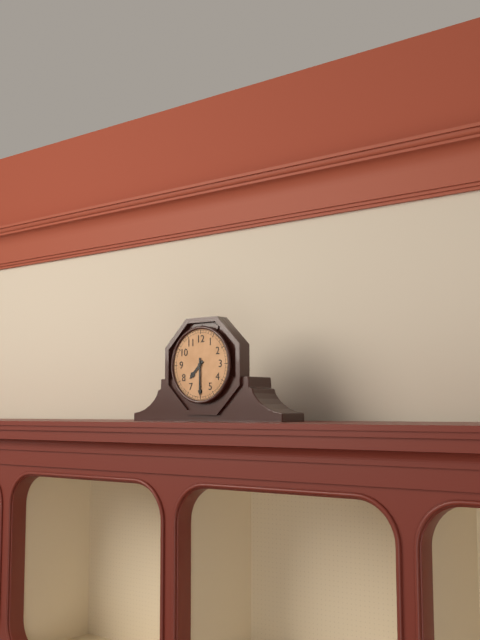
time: **7:30**
